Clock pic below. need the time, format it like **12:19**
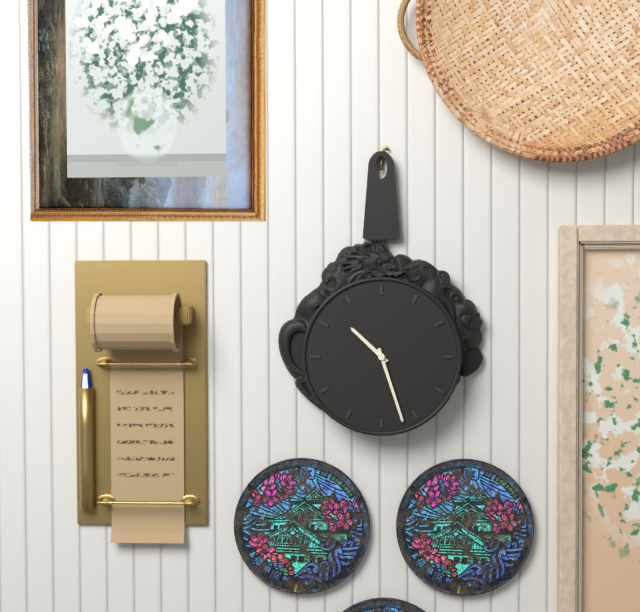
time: **10:27**
